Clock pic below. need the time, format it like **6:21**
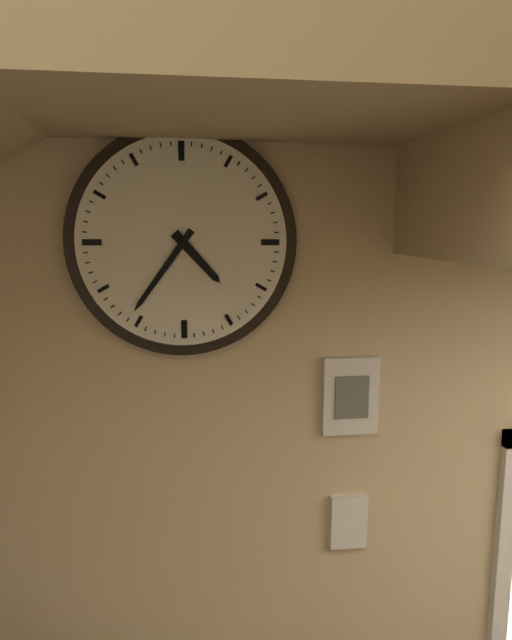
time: **4:36**
